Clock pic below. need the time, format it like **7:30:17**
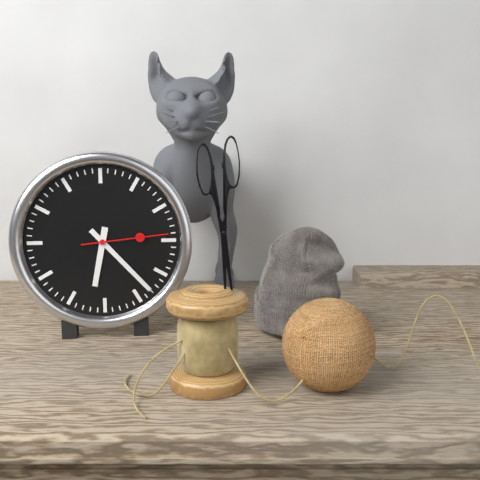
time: **6:23:14**
